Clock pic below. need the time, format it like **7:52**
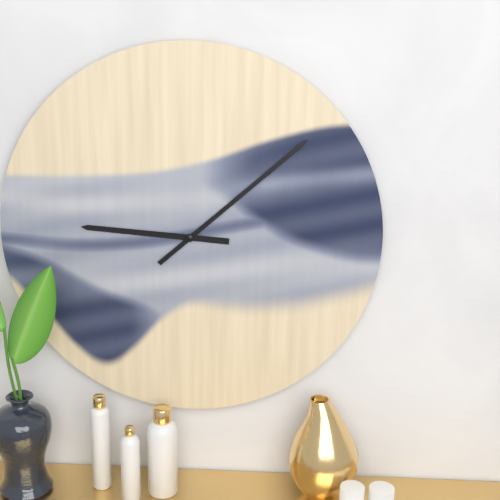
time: **9:08**
